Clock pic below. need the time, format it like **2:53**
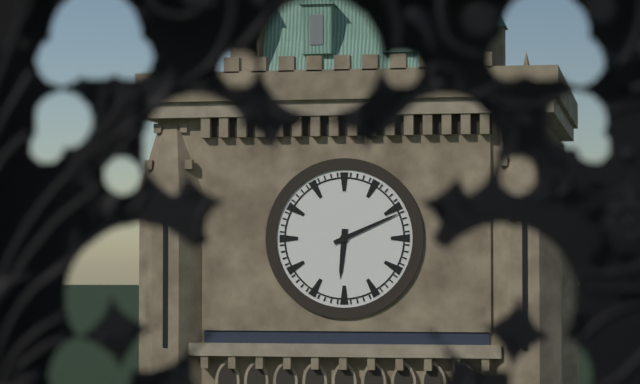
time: **6:11**
